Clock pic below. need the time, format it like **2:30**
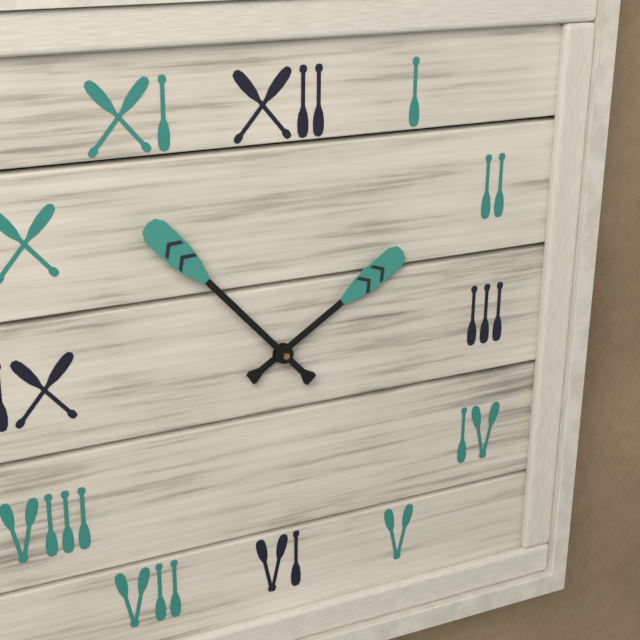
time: **1:53**
